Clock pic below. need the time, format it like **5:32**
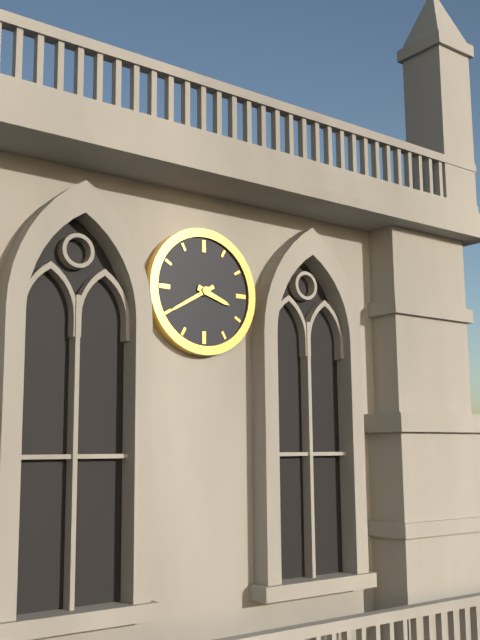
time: **3:40**
